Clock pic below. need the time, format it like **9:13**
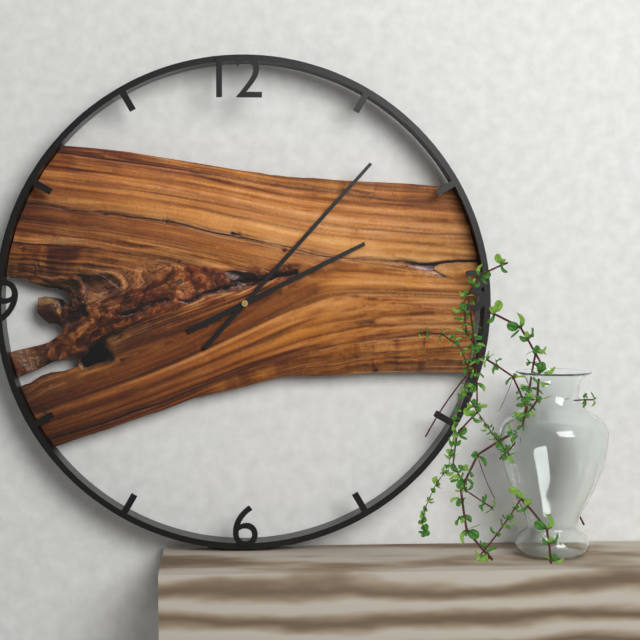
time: **2:07**
